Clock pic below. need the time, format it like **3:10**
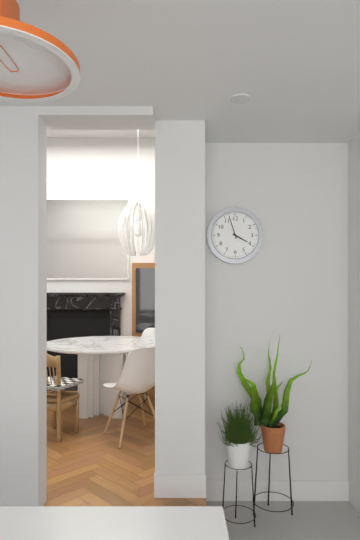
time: **3:57**
